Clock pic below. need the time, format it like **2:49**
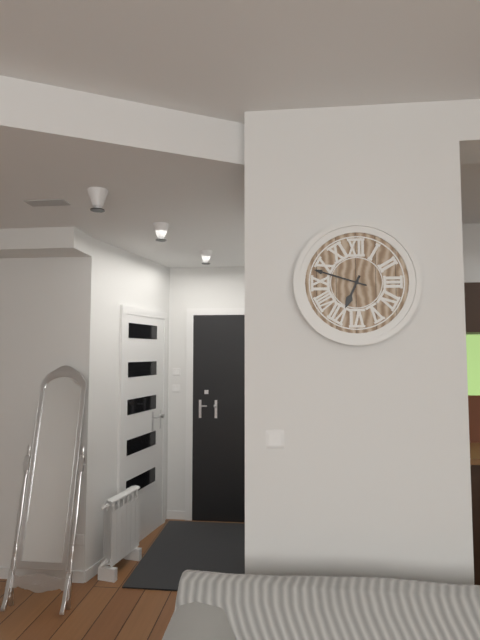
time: **6:48**
